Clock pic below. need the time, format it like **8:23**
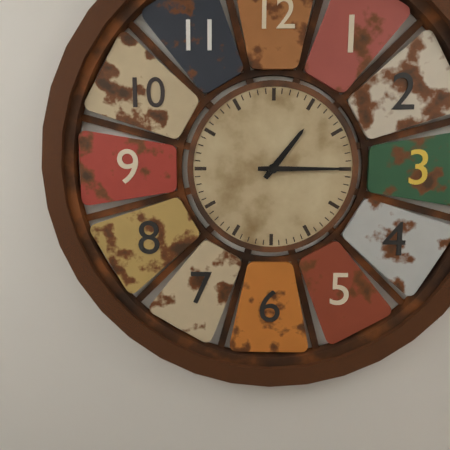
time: **1:15**
